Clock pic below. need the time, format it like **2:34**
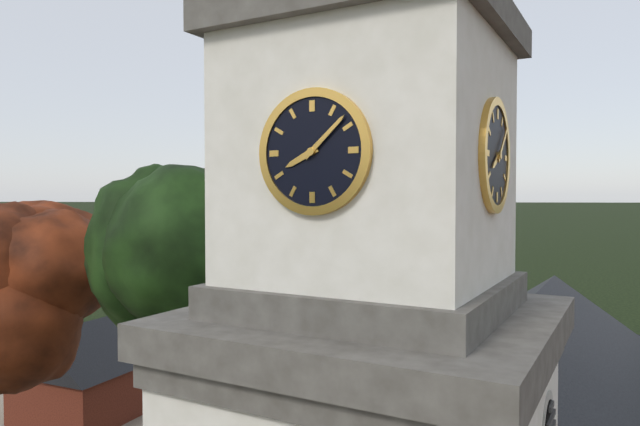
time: **8:08**
